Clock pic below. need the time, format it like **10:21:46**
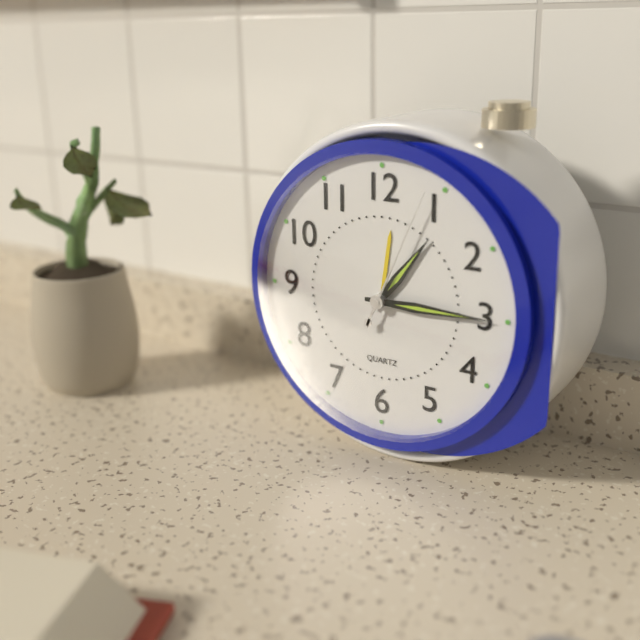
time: **1:15:04**
